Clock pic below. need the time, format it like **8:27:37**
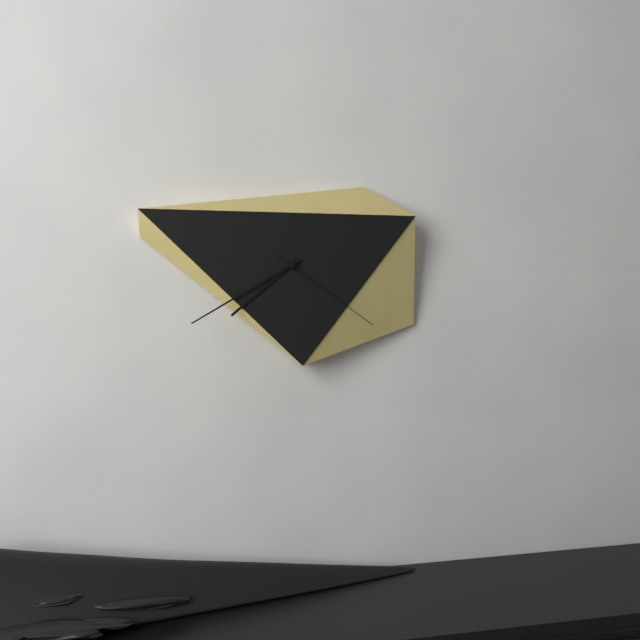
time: **7:40:21**
